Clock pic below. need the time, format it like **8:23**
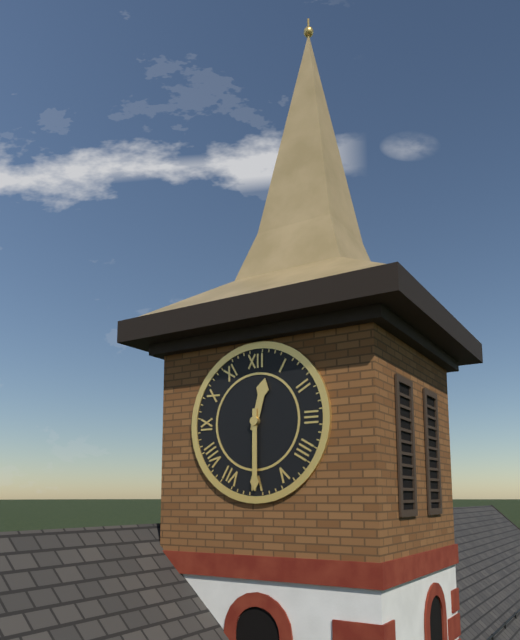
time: **12:30**
